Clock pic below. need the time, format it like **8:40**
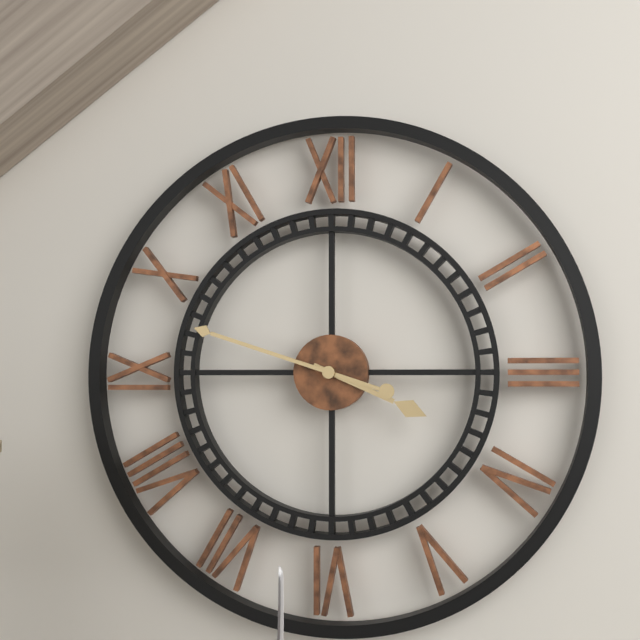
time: **3:48**
